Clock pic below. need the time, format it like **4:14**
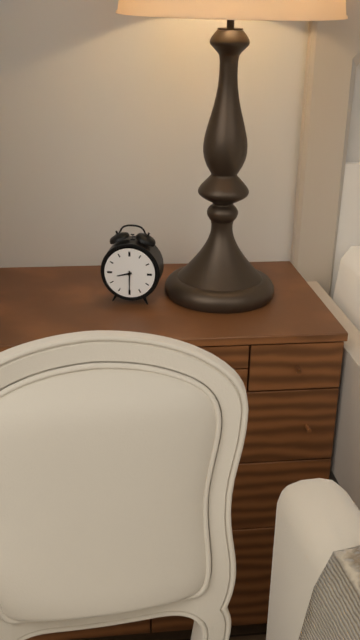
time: **8:30**
